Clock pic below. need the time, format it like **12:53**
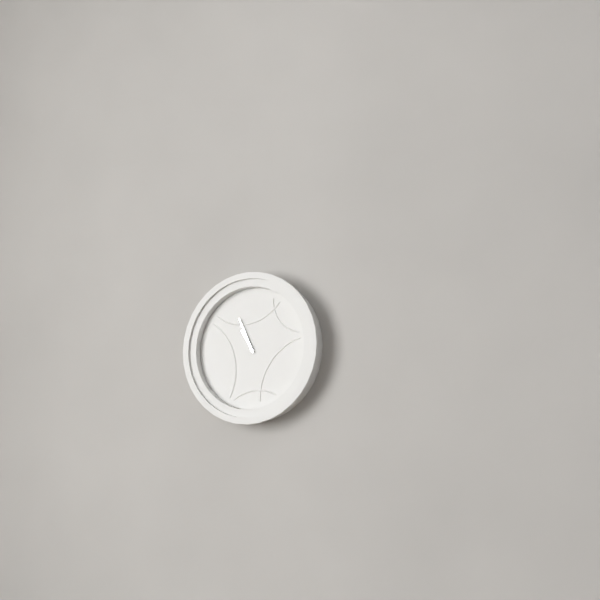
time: **10:56**
